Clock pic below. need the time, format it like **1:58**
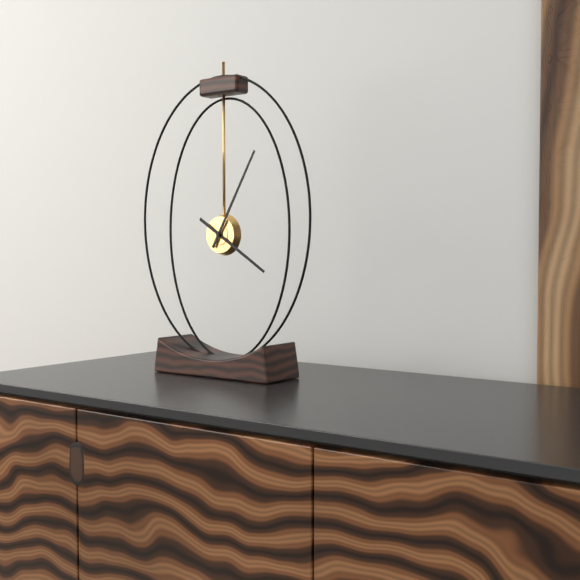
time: **4:05**
